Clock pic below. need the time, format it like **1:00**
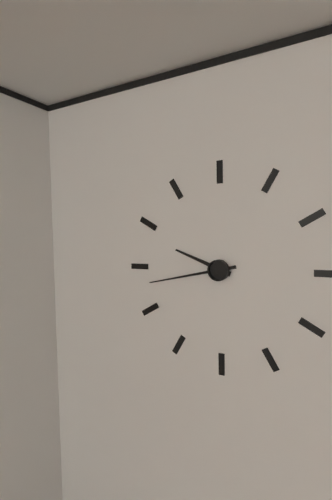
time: **9:43**
